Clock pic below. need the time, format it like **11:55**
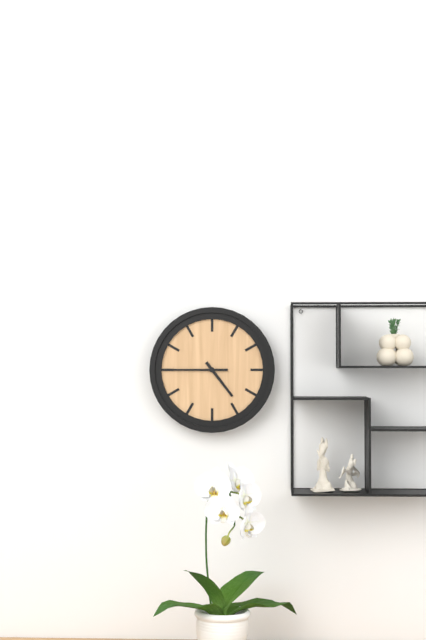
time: **4:45**
